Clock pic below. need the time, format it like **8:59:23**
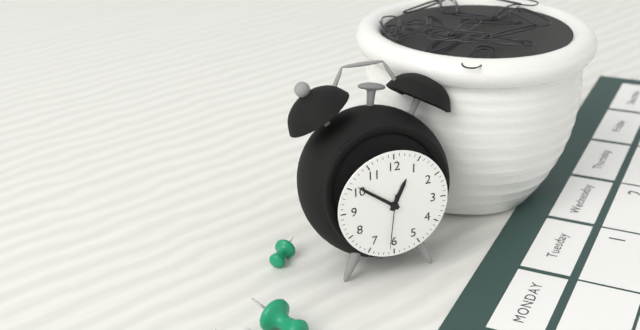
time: **12:51:31**
